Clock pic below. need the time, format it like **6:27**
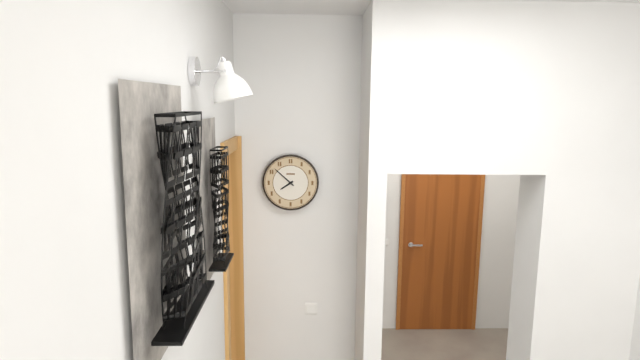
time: **7:52**
